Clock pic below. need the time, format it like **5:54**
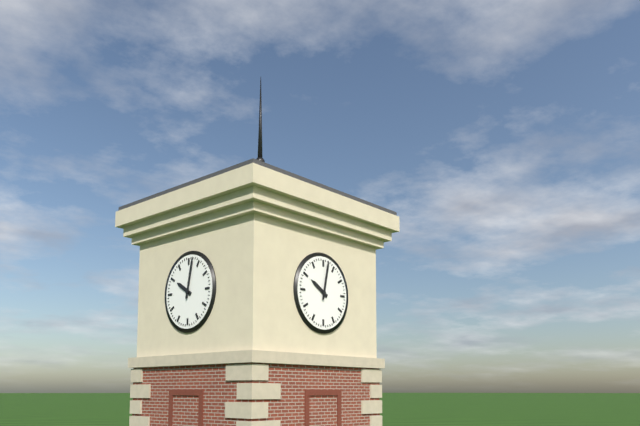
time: **10:02**
